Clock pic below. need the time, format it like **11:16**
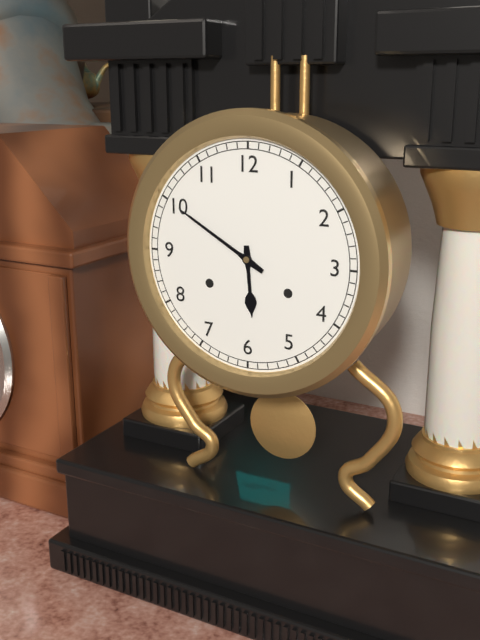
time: **5:50**
